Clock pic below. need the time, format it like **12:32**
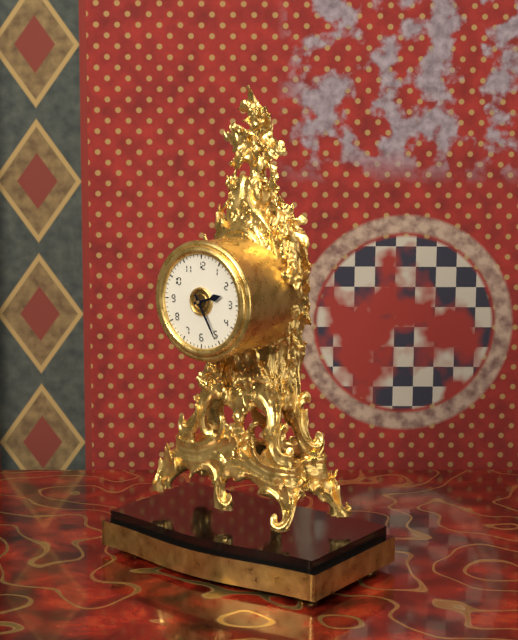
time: **2:25**
